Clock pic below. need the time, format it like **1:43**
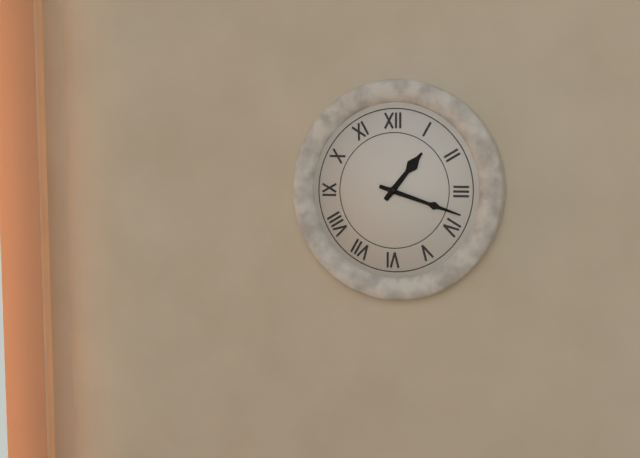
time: **1:18**
